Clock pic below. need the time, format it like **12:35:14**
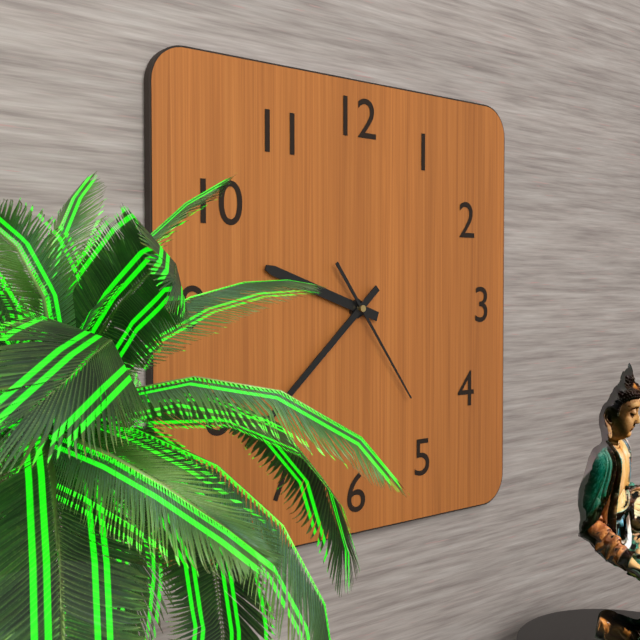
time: **9:38:24**
